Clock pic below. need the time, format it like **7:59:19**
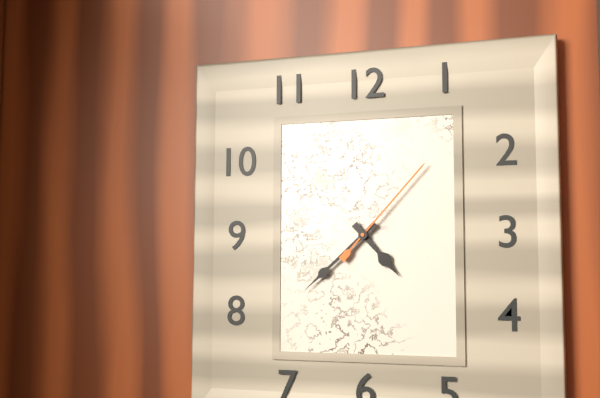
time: **4:38:07**
